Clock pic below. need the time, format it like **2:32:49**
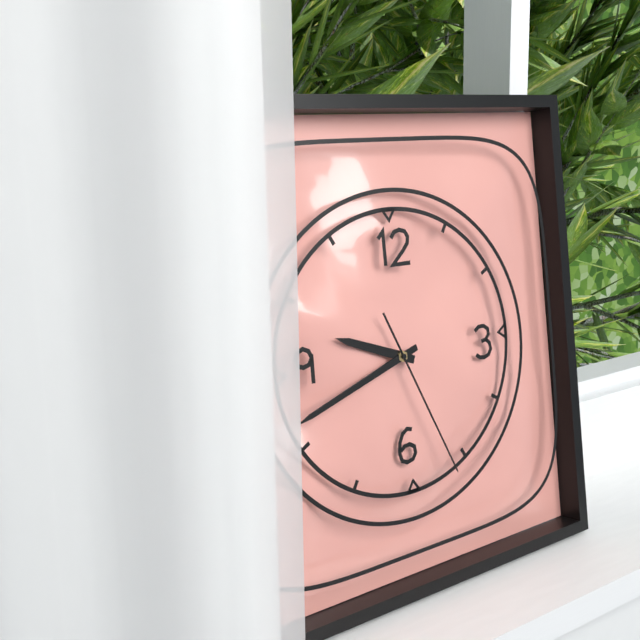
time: **9:42:26**
